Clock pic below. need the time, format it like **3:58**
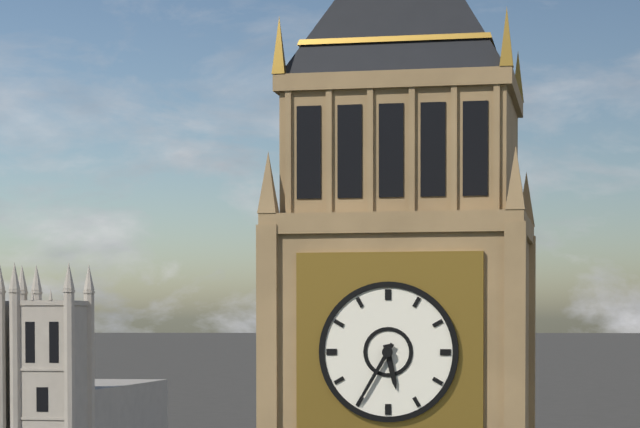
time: **5:35**
